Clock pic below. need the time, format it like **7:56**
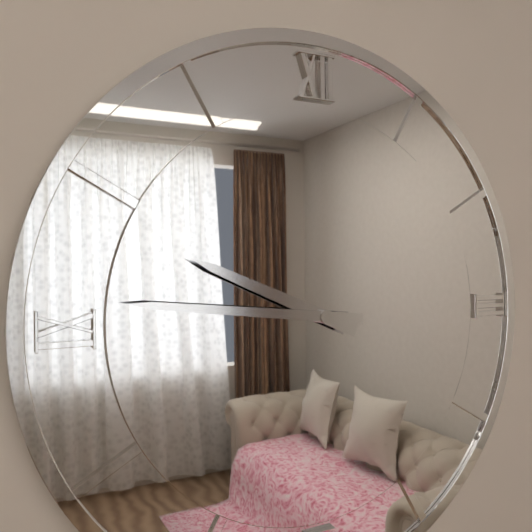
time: **9:46**
